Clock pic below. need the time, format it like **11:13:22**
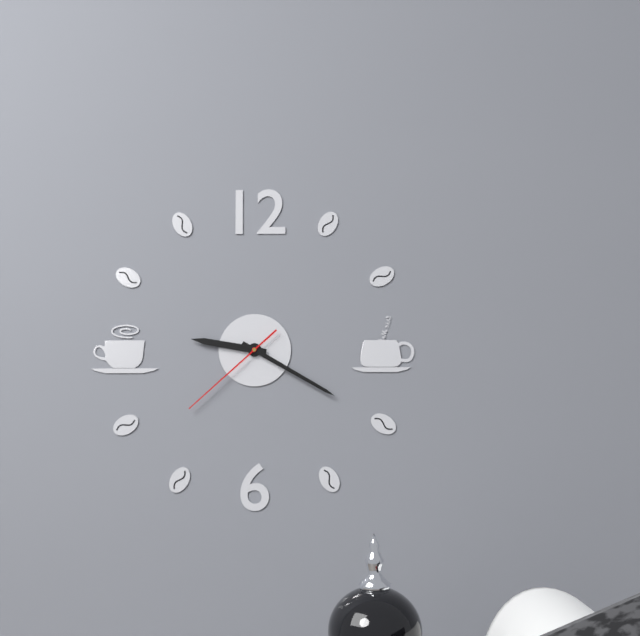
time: **9:20:38**
